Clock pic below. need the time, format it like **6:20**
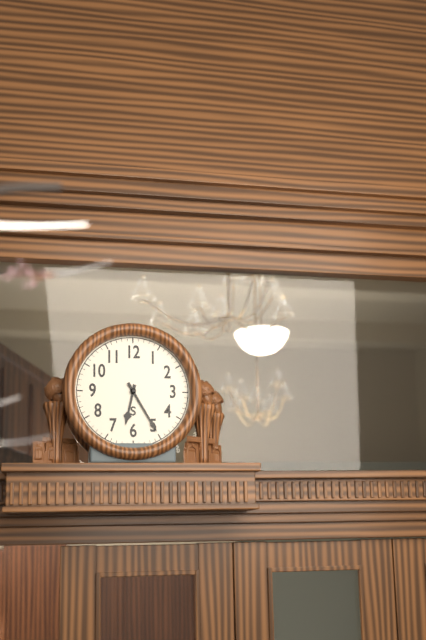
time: **6:25**
